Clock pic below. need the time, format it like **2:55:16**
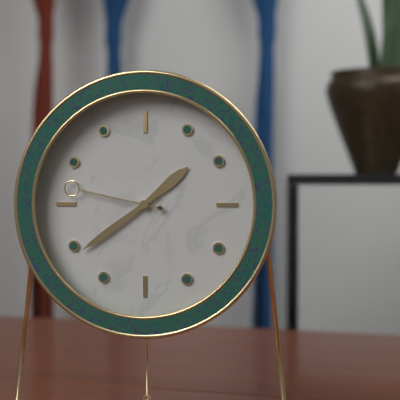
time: **1:39:47**
